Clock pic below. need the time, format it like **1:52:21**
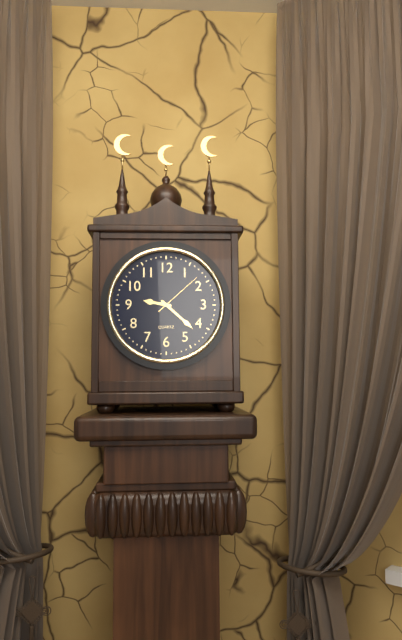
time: **9:22:08**
